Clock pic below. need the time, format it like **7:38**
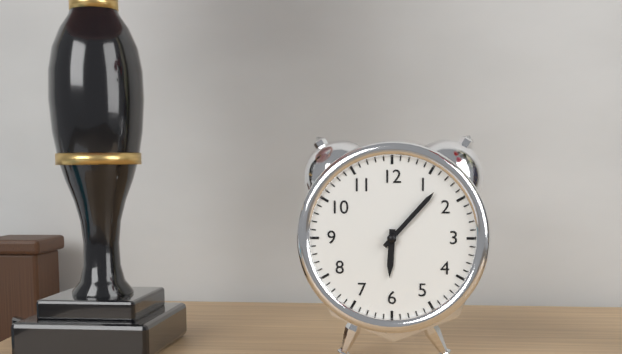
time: **6:07**
